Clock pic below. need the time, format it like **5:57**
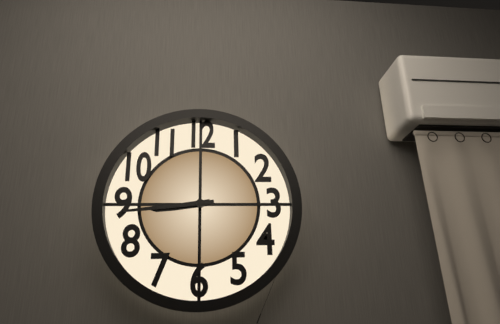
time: **8:44**
